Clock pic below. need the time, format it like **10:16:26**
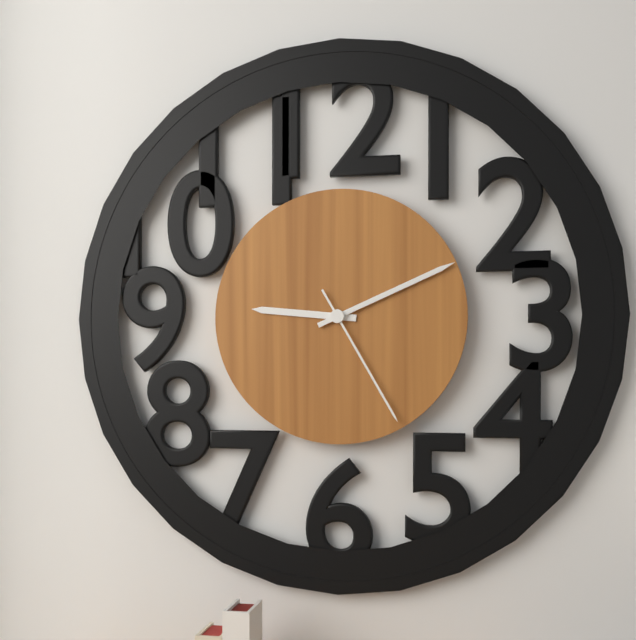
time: **9:11:25**
